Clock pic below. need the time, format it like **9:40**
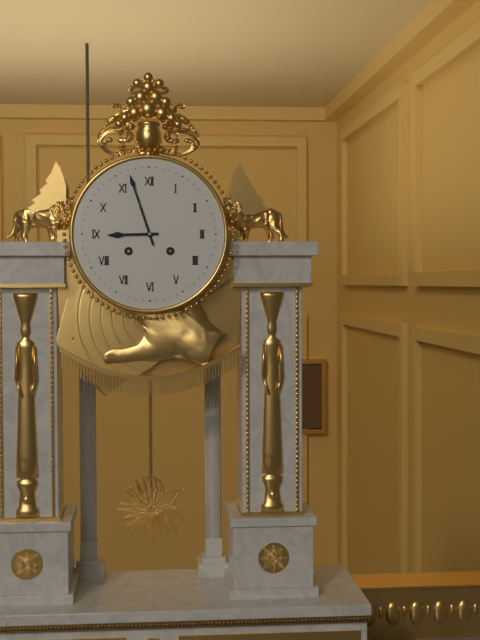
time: **8:57**
